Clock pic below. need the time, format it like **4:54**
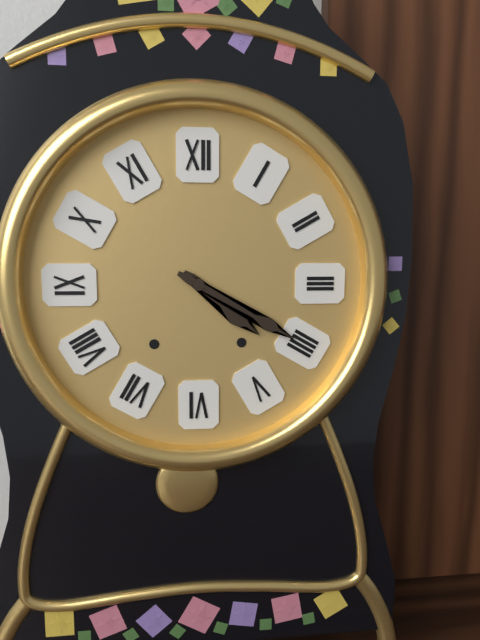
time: **4:20**
